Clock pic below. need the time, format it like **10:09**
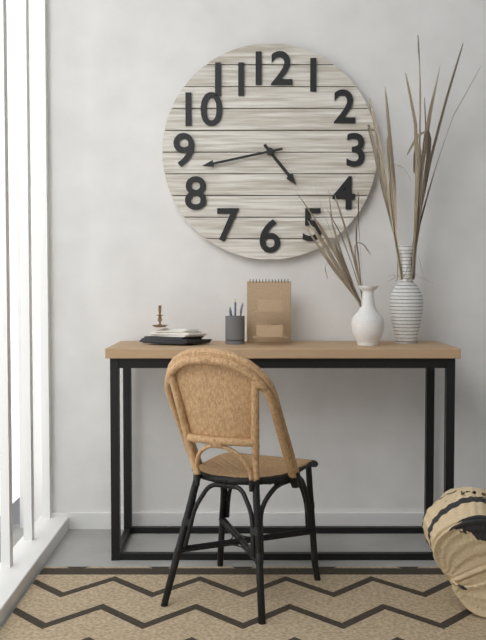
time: **4:43**
